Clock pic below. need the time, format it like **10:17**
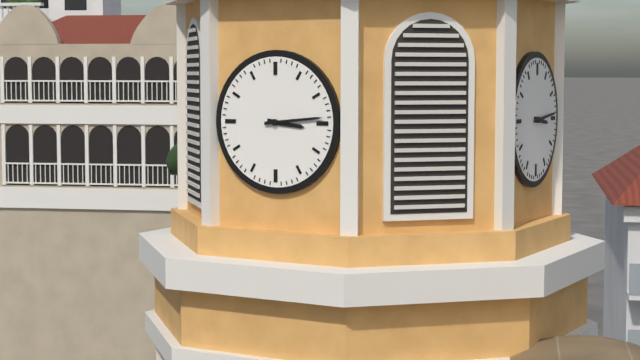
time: **3:14**
